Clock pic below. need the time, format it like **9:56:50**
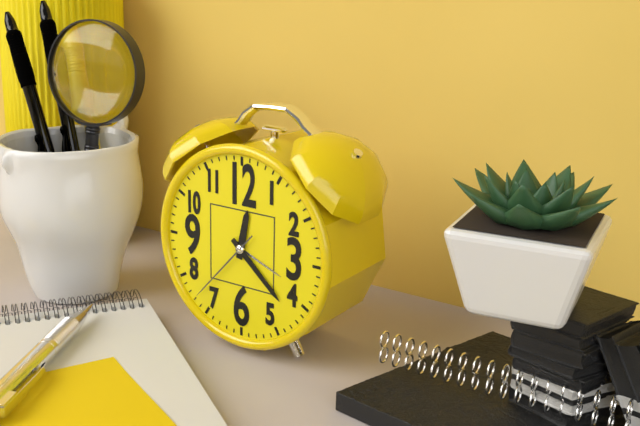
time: **12:22:37**
